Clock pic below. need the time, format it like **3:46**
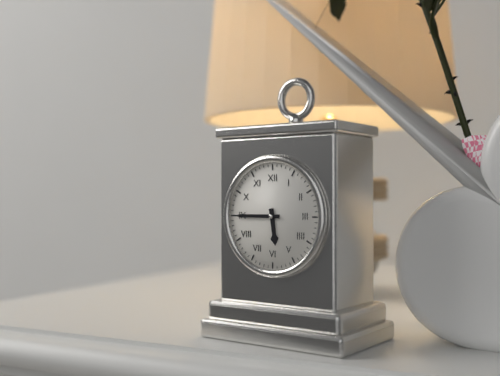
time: **5:45**
